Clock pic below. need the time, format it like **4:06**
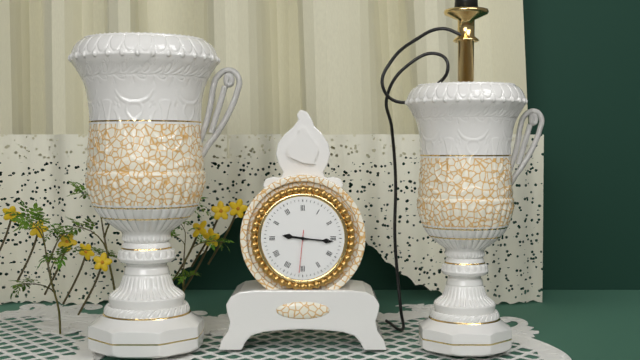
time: **9:16**
